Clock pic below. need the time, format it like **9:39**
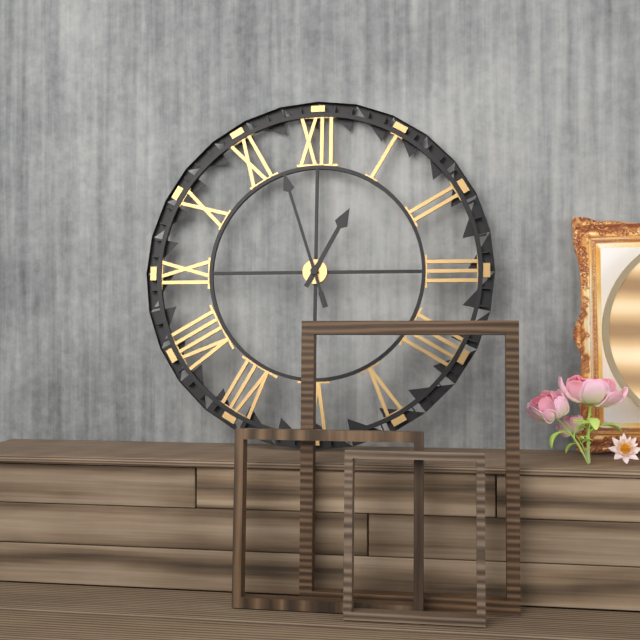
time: **12:57**
